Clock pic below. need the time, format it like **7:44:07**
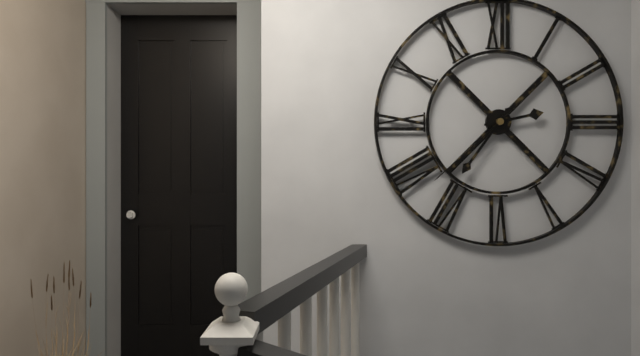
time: **2:36:38**
